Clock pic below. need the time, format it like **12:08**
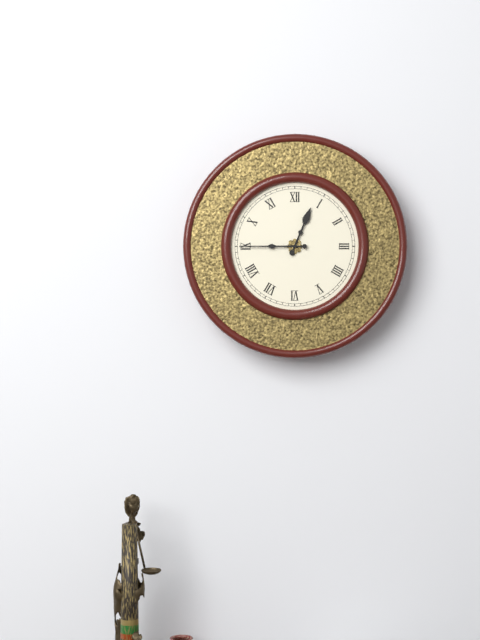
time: **12:45**
